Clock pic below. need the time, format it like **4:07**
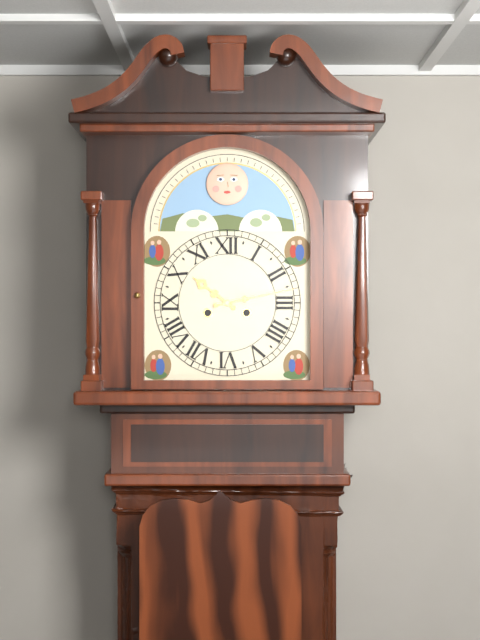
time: **10:13**
